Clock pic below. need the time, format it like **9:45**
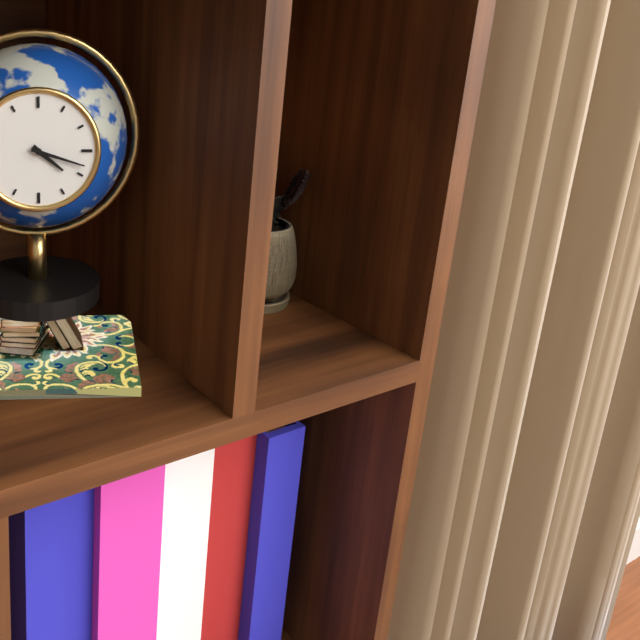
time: **4:18**
